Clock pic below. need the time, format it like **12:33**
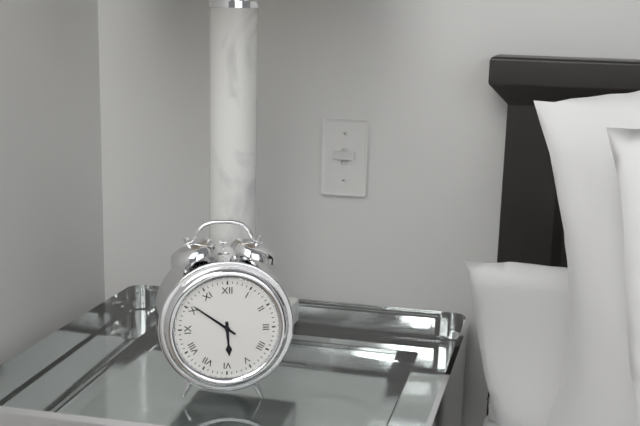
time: **5:51**
